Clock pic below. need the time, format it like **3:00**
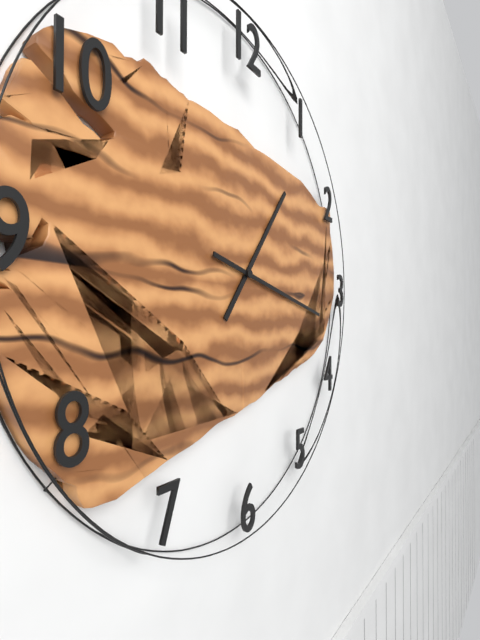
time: **1:17**
